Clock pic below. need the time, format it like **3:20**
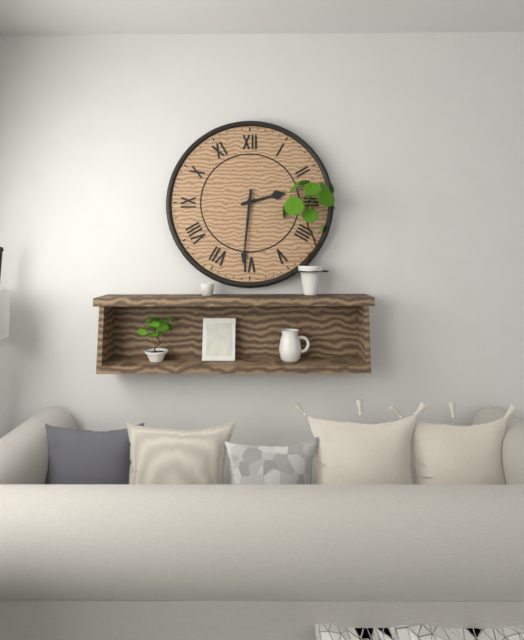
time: **2:31**
